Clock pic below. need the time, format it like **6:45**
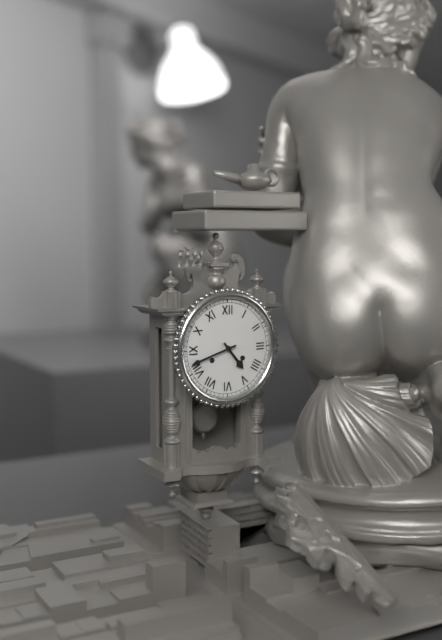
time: **4:42**
